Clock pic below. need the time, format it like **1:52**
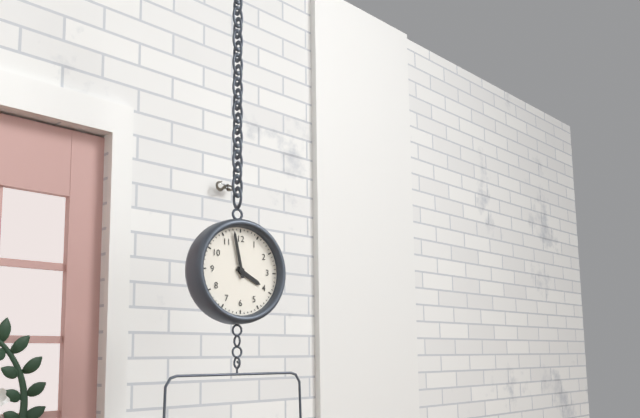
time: **3:58**
